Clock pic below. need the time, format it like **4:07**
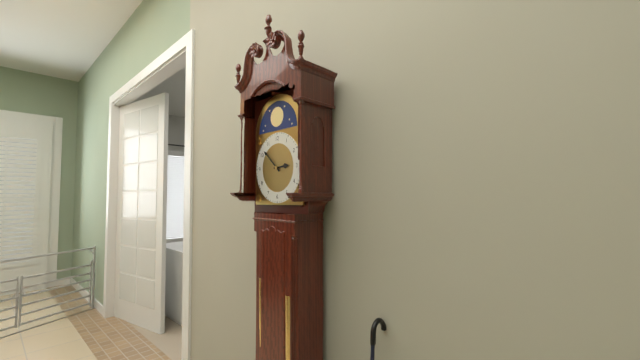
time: **2:52**
